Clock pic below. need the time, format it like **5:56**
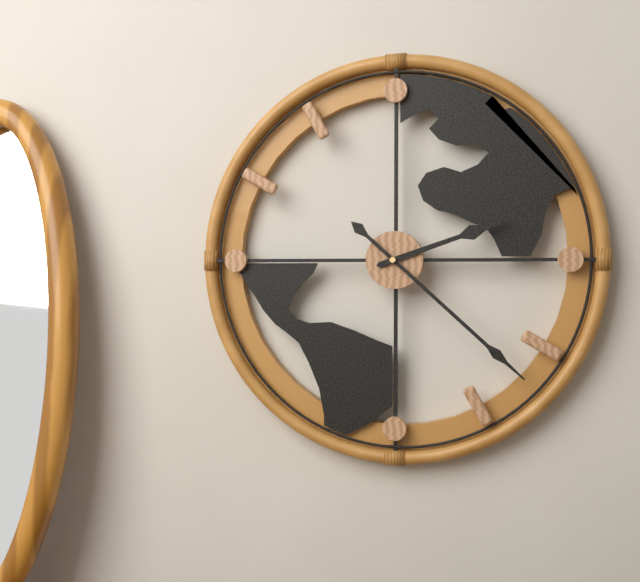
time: **2:22**
